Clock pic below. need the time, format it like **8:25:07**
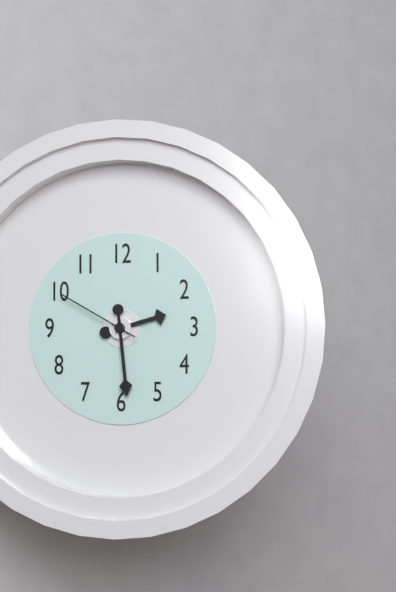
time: **2:29:50**
